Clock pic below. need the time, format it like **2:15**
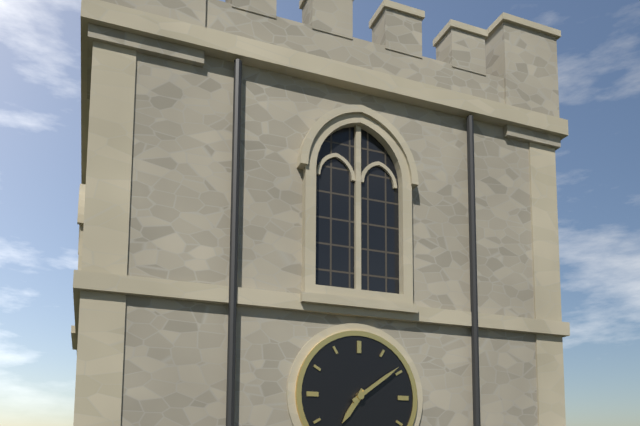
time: **7:09**
